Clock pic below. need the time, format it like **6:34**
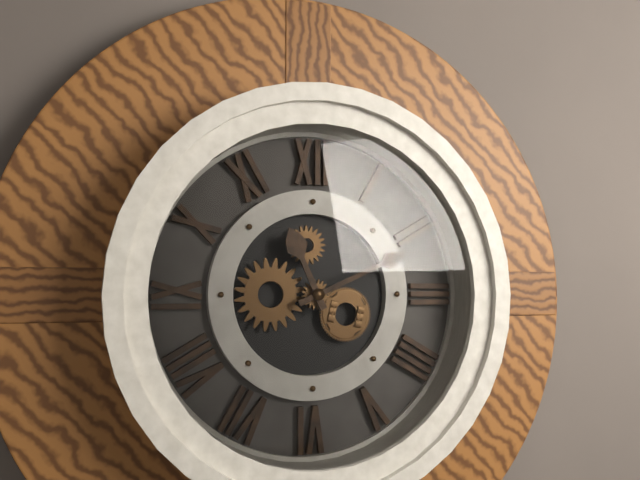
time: **11:11**
